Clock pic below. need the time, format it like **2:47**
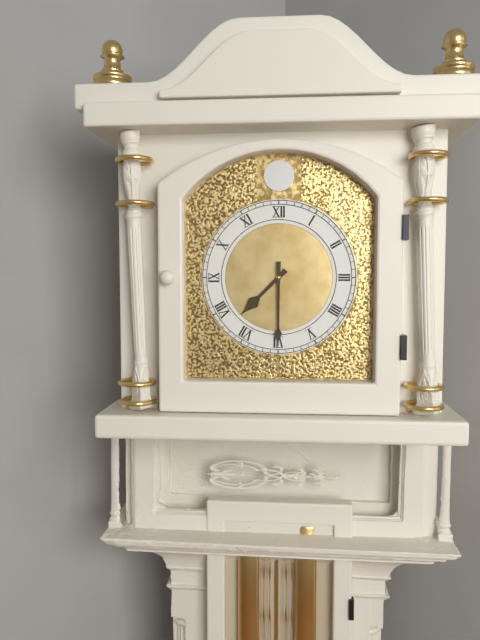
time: **7:30**
